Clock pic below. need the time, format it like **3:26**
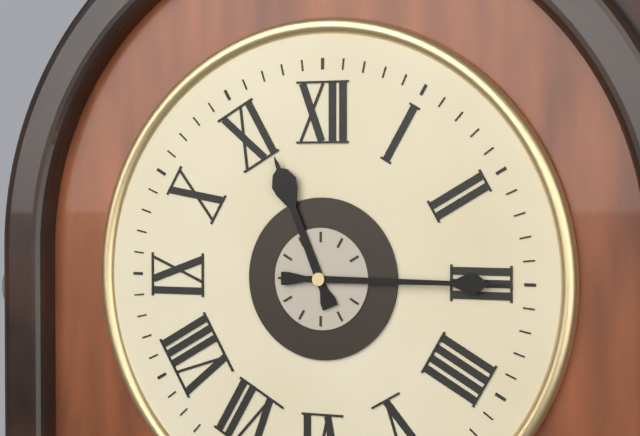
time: **11:15**
